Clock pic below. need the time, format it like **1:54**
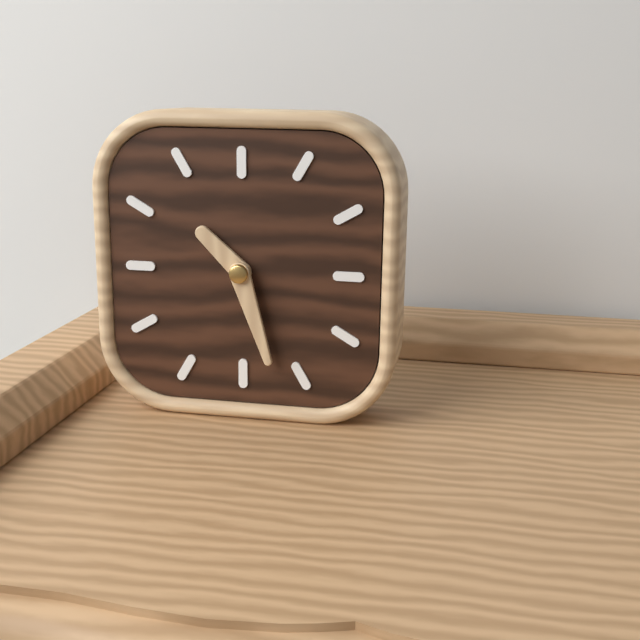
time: **10:27**
